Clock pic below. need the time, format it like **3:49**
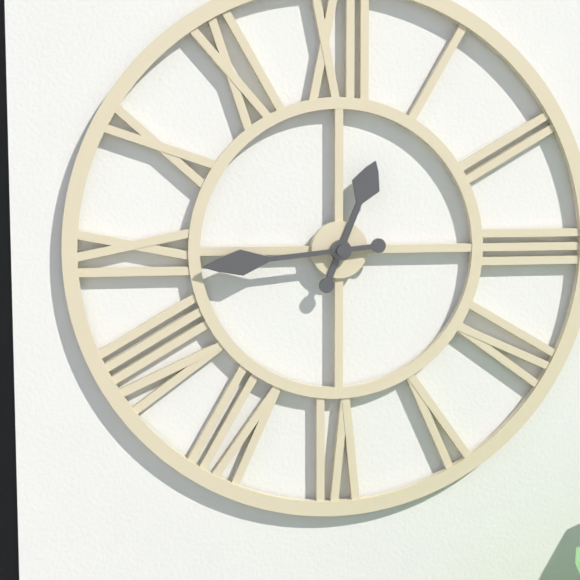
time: **12:44**
